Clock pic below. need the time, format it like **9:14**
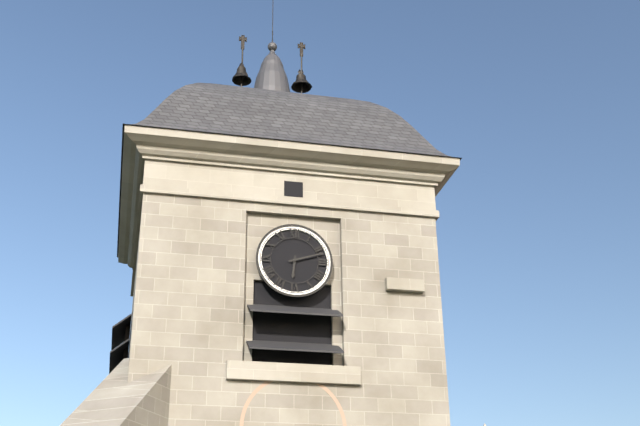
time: **6:12**
